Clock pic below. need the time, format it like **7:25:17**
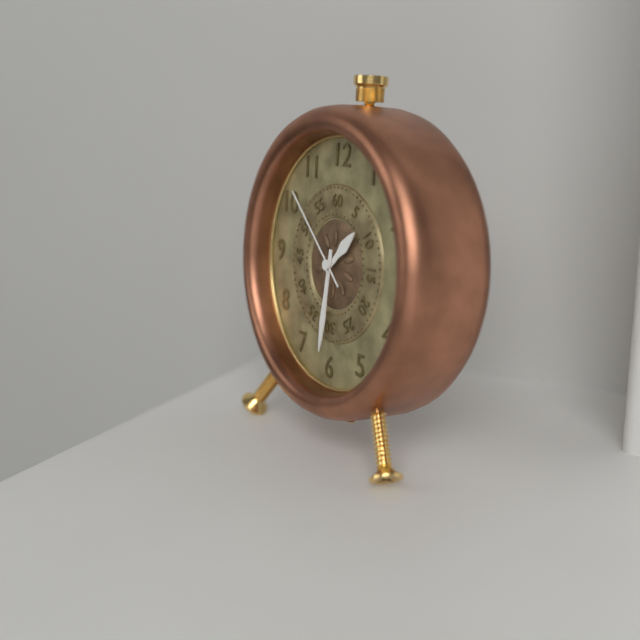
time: **1:31:52**
